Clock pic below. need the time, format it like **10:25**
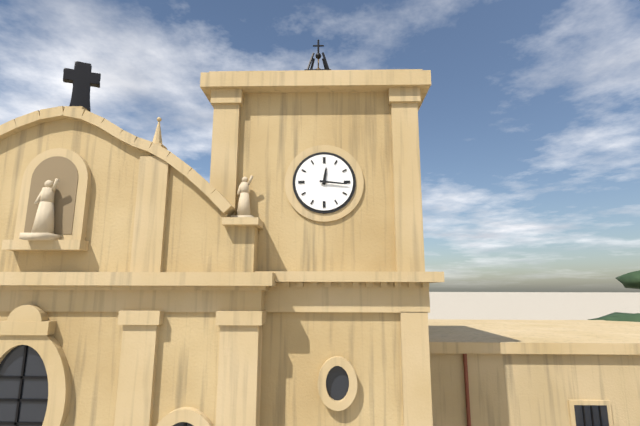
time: **12:16**
